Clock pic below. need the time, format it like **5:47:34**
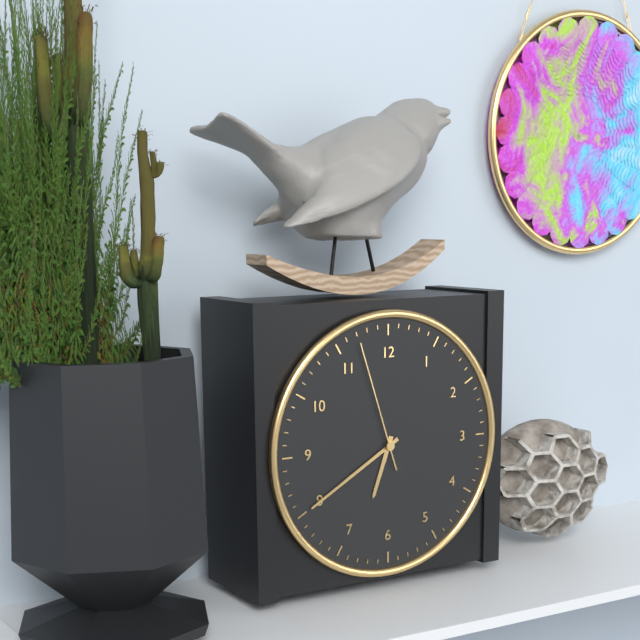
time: **6:40:57**
